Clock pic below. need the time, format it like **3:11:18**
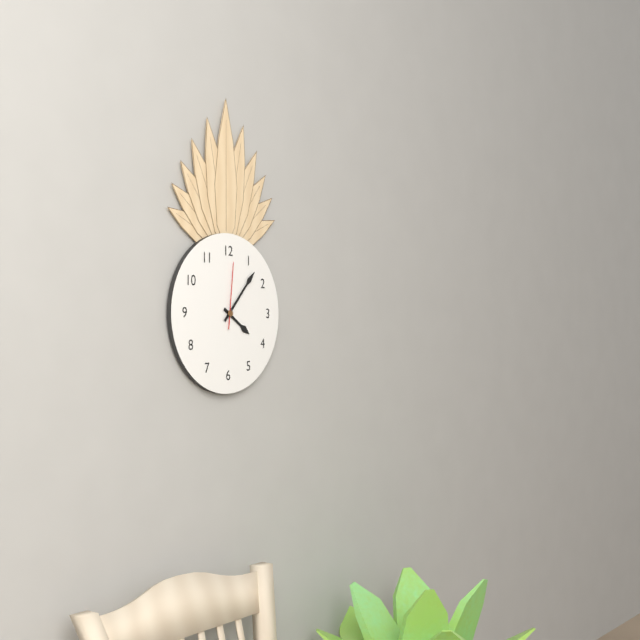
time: **4:07:01**
